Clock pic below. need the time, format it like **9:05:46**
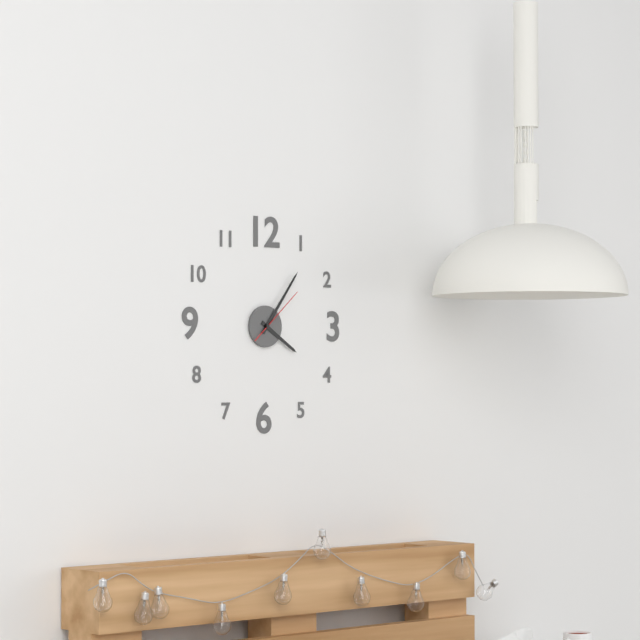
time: **4:06:08**
